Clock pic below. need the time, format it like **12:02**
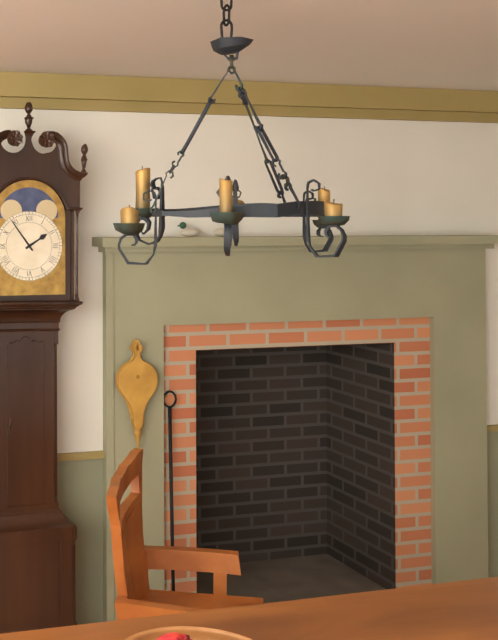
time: **1:54**
